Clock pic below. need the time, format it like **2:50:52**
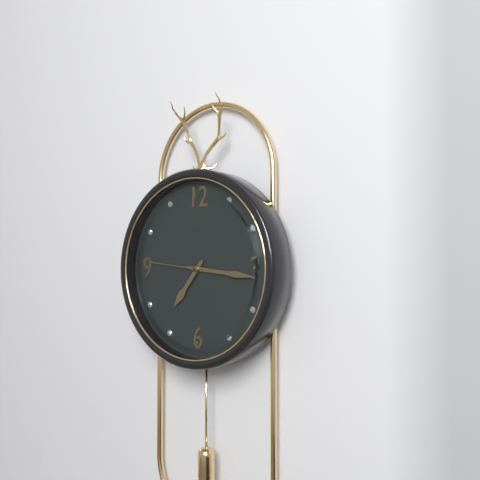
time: **7:16:46**
